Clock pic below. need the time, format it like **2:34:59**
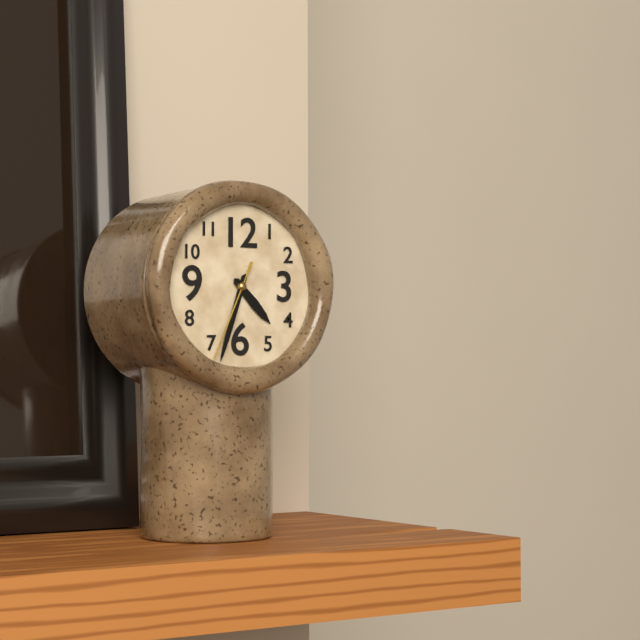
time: **4:33:34**
